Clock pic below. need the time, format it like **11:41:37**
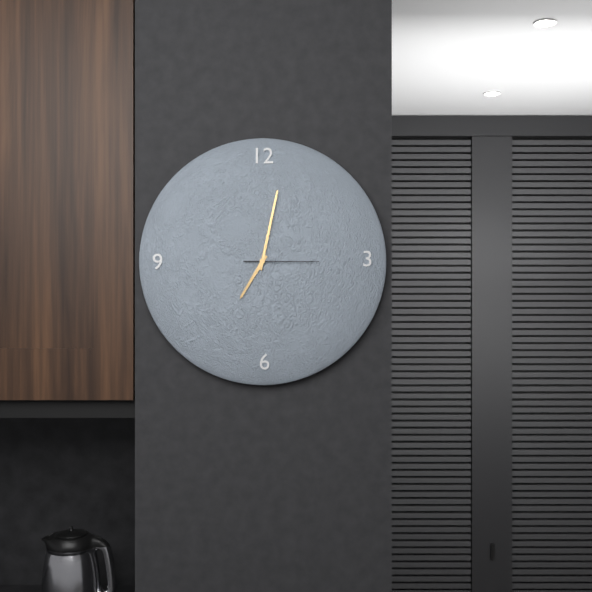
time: **7:02:15**
